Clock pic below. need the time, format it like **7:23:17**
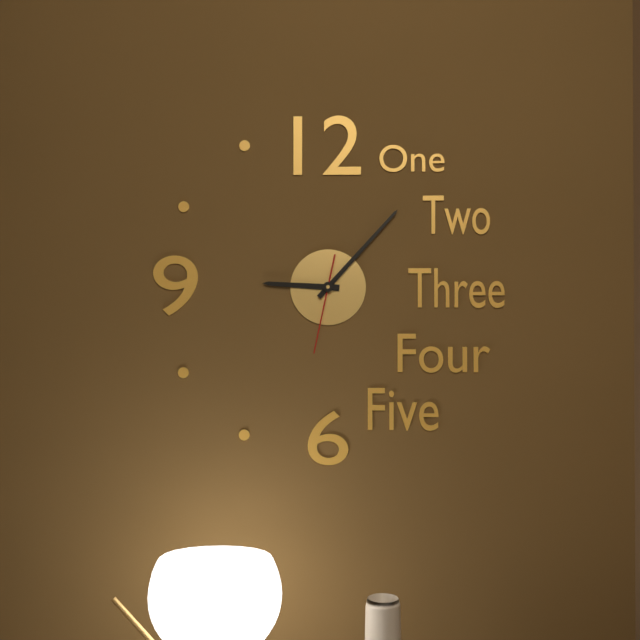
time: **9:07:32**
